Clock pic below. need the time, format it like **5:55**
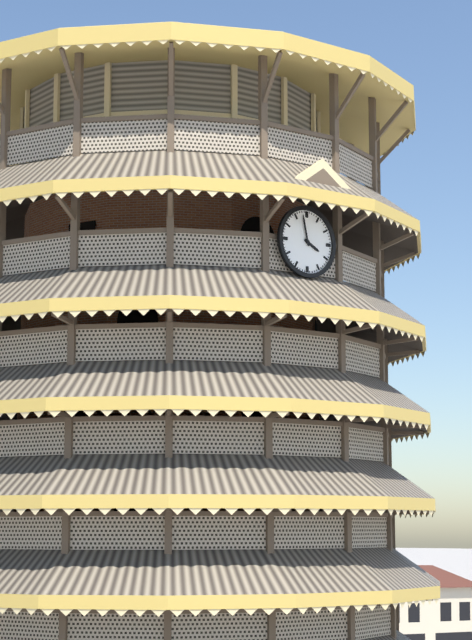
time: **3:58**
